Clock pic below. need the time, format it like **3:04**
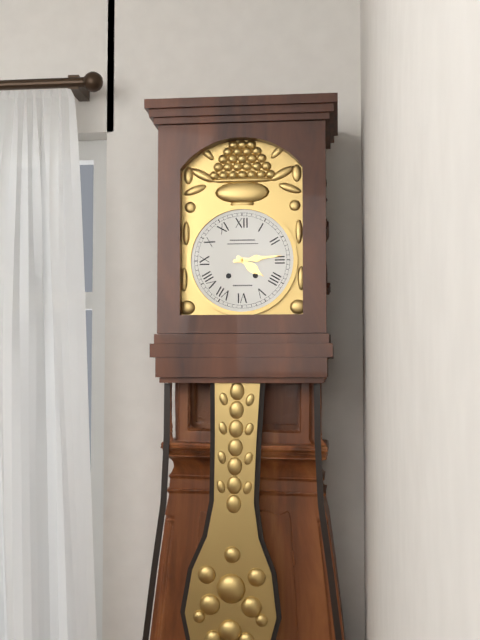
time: **4:14**
